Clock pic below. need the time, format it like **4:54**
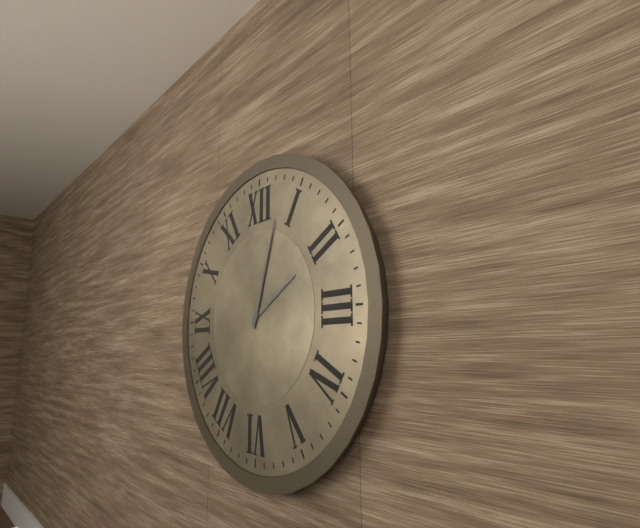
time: **2:03**
